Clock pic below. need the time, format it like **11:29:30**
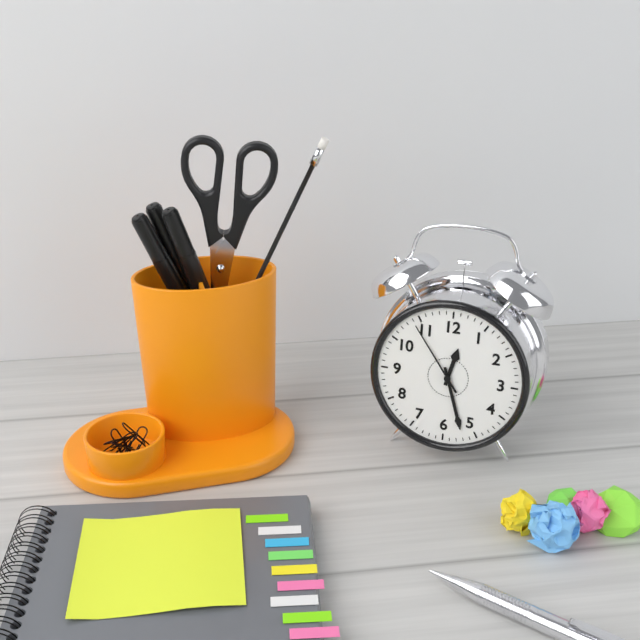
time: **12:27:54**
